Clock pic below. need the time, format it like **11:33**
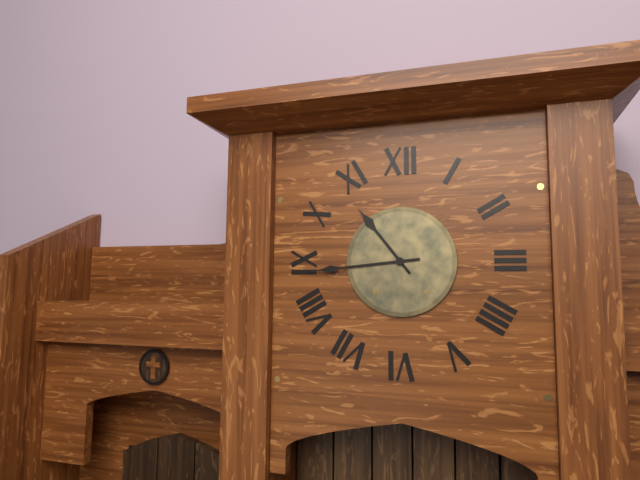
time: **10:44**
